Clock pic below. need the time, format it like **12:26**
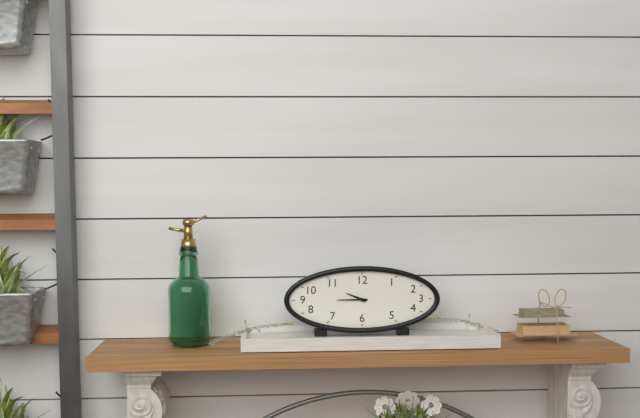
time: **9:45**
